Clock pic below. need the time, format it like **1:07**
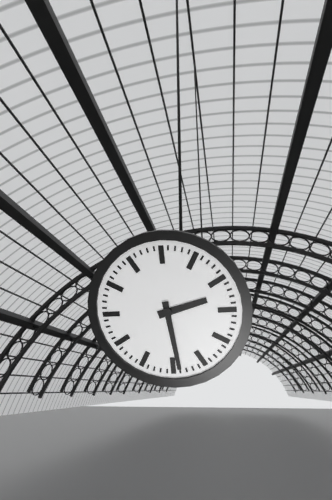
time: **2:29**
